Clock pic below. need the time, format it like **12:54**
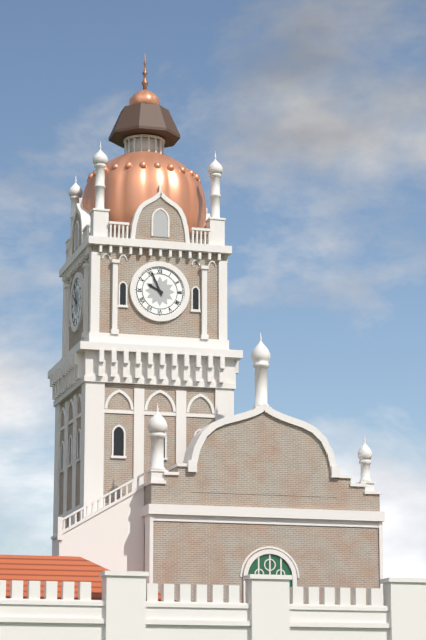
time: **9:56**
